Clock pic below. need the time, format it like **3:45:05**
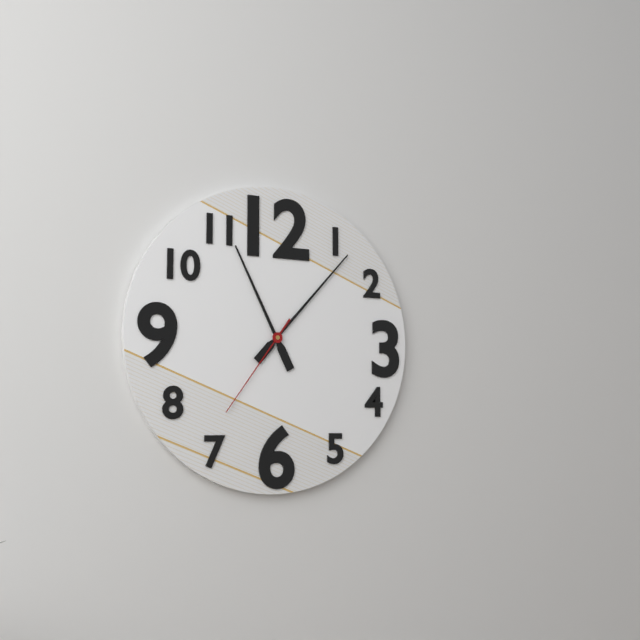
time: **11:07:36**
